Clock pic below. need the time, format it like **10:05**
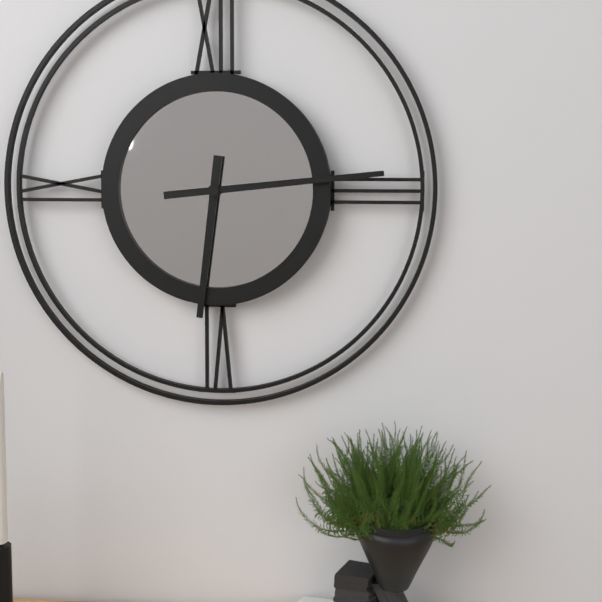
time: **6:14**
